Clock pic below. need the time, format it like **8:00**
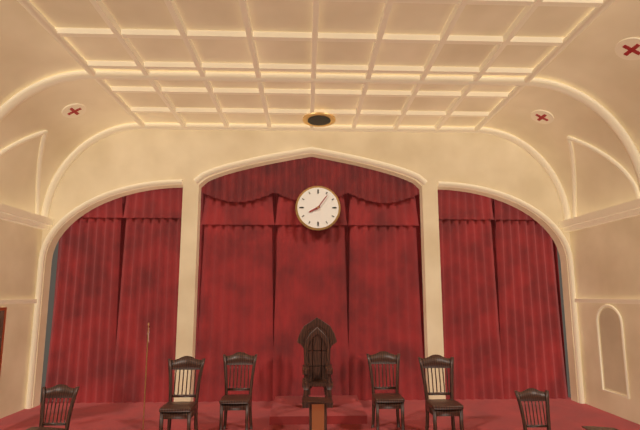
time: **8:06**
